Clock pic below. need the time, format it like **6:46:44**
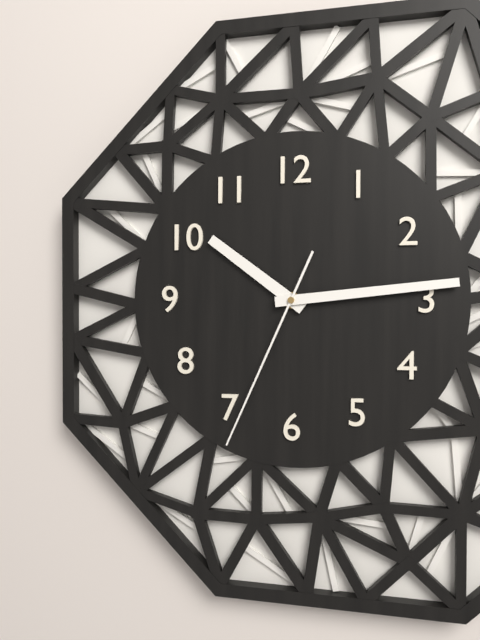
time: **10:14:34**
